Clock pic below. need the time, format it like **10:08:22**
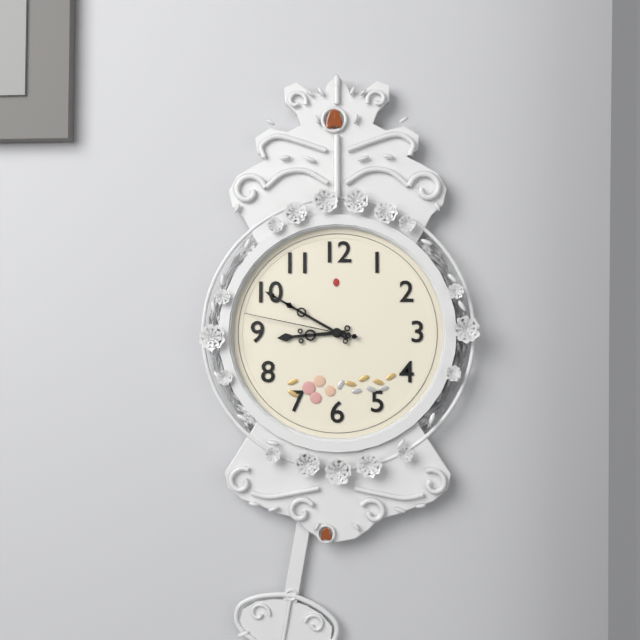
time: **8:50:47**
